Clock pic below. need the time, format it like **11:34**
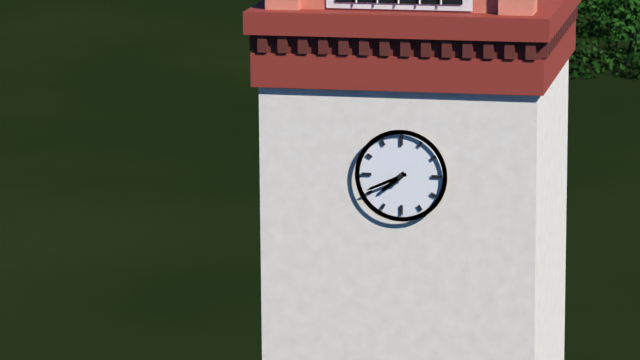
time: **7:41**
